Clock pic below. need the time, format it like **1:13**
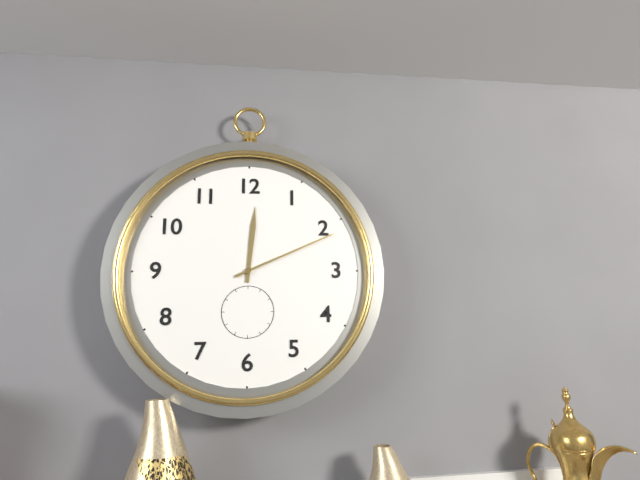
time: **12:11**
